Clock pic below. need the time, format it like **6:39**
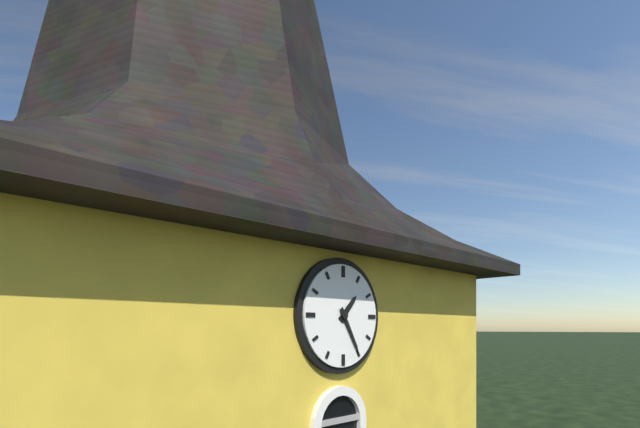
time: **1:25**
